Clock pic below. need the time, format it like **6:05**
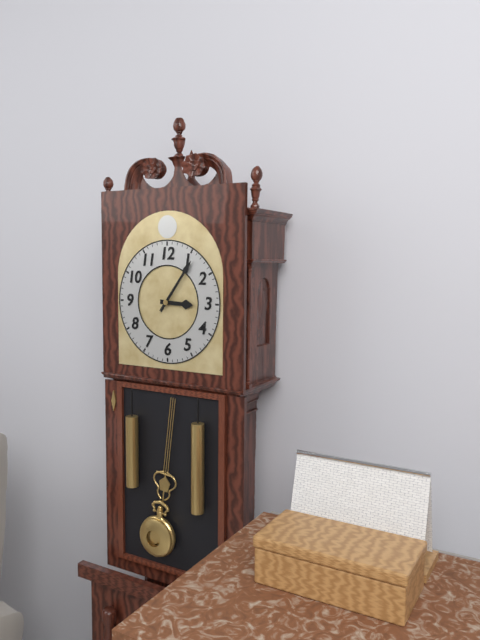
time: **3:06**
